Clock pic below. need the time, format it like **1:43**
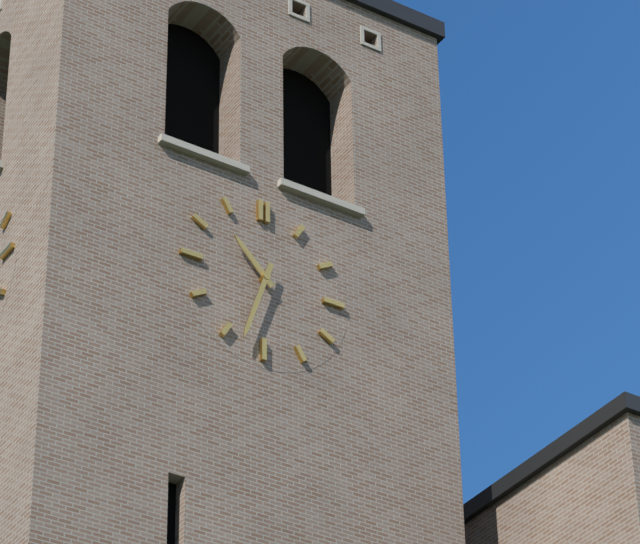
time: **10:33**
